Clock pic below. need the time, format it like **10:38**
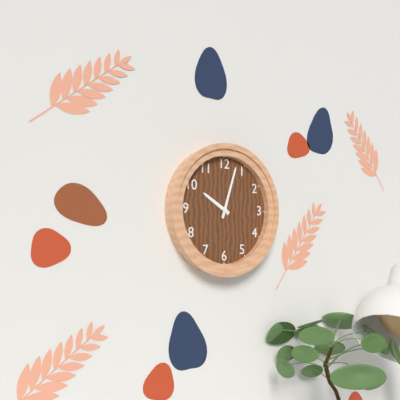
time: **10:03**
